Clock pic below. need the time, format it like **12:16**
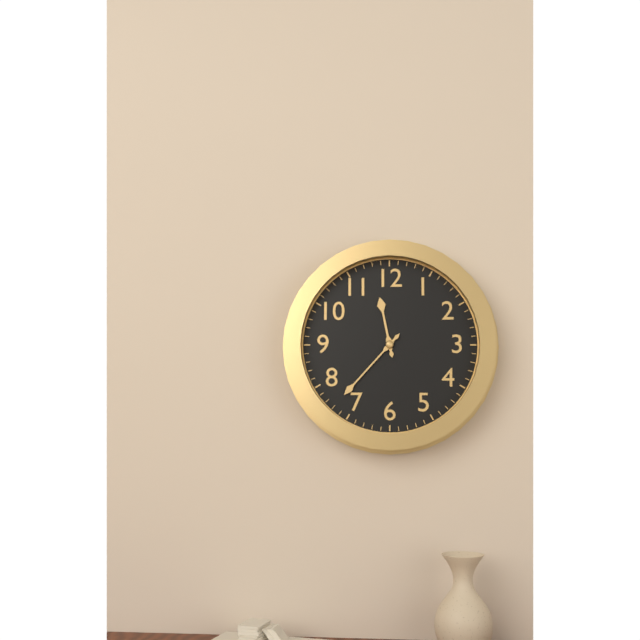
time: **11:37**
